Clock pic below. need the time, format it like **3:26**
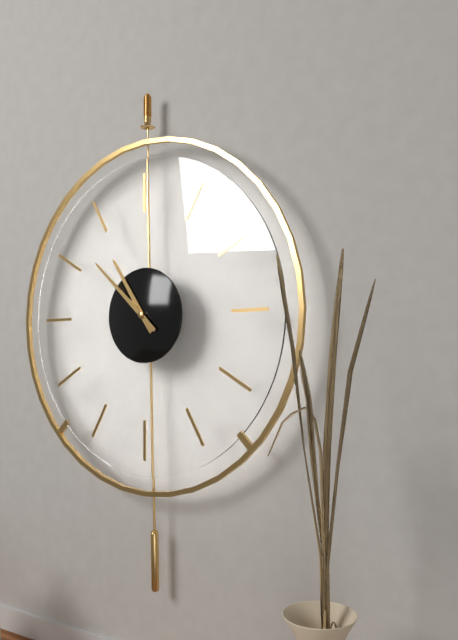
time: **10:52**
